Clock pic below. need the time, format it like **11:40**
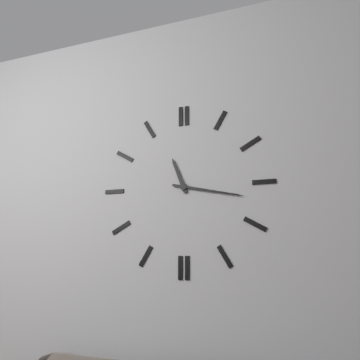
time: **11:17**
